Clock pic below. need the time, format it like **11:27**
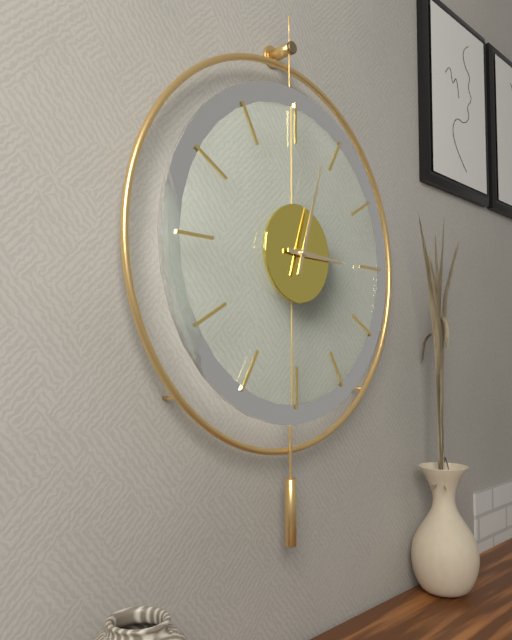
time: **3:03**
